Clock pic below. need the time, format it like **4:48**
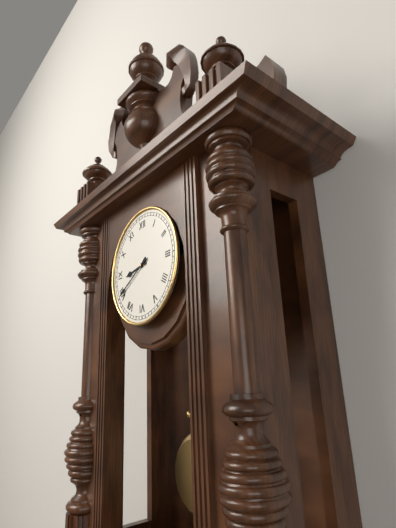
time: **8:40**
